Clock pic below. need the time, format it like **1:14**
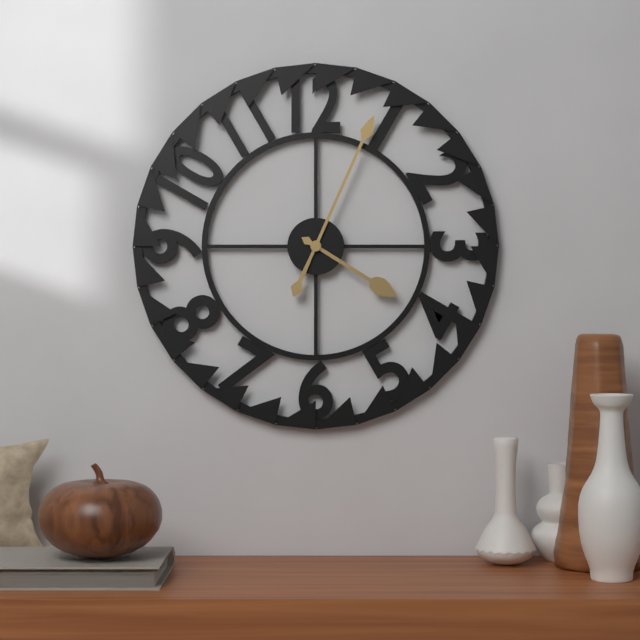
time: **4:04**
